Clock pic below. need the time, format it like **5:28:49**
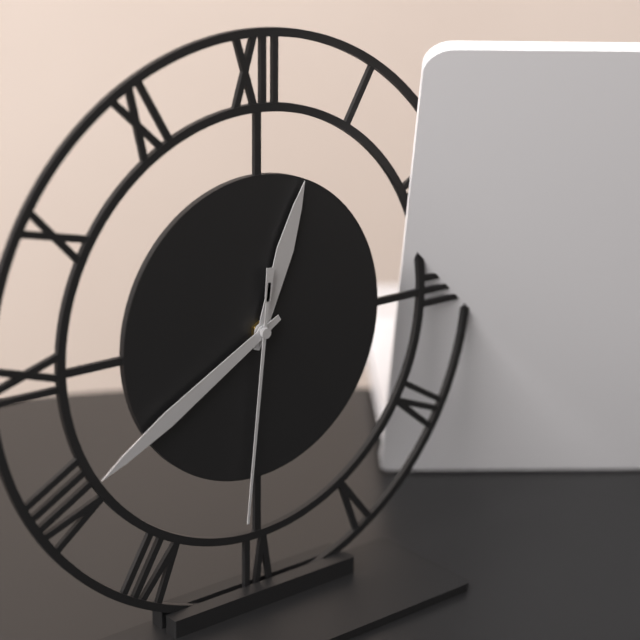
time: **12:40:31**
